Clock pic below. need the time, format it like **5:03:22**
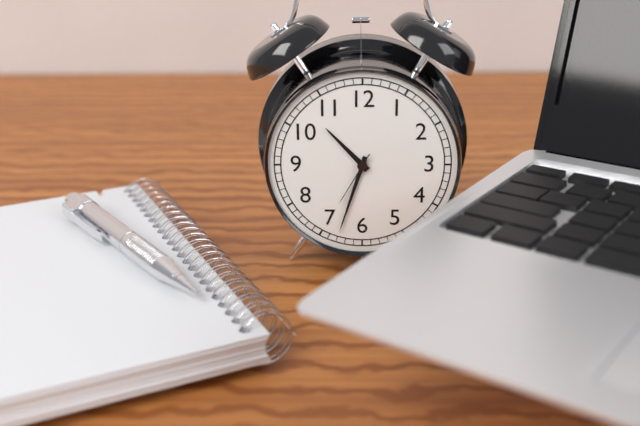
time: **10:33:35**
